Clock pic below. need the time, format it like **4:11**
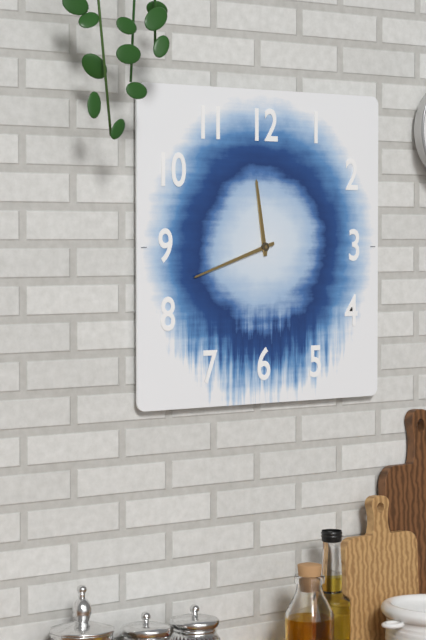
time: **11:42**
